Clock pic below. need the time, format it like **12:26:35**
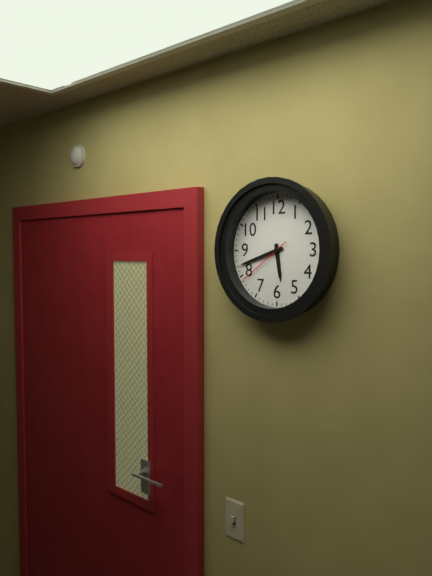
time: **5:42:39**
